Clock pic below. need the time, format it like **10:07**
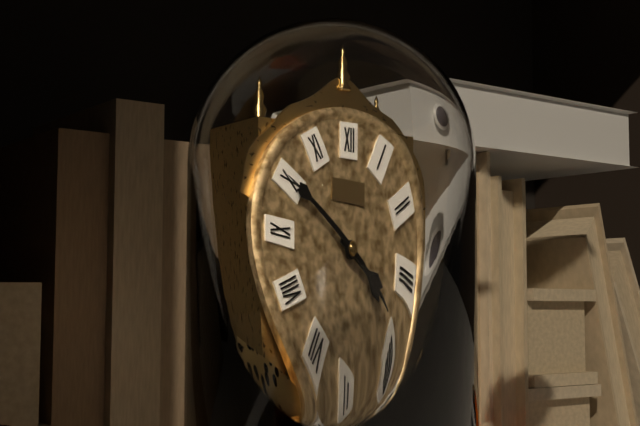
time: **3:50**
